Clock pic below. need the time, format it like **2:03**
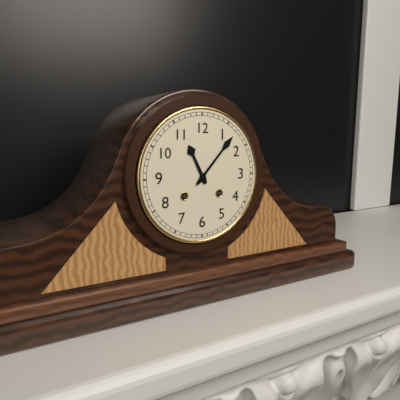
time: **11:07**
